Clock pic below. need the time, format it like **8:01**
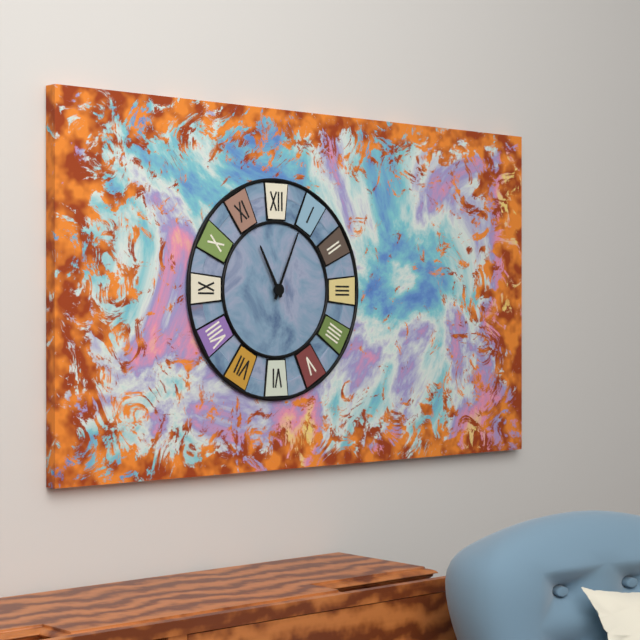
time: **11:04**
